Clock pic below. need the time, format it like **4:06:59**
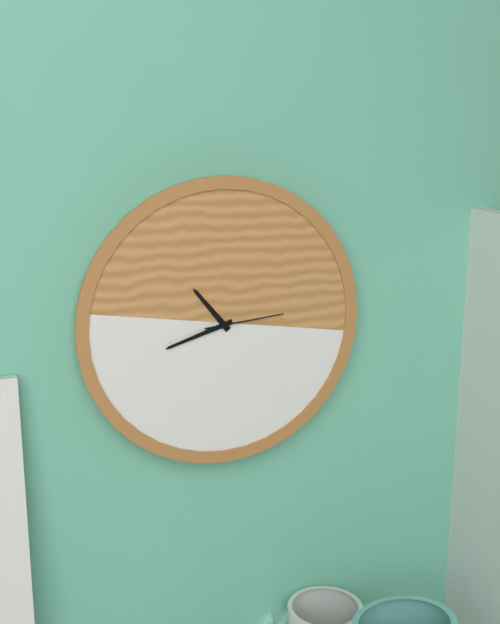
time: **10:42:14**
